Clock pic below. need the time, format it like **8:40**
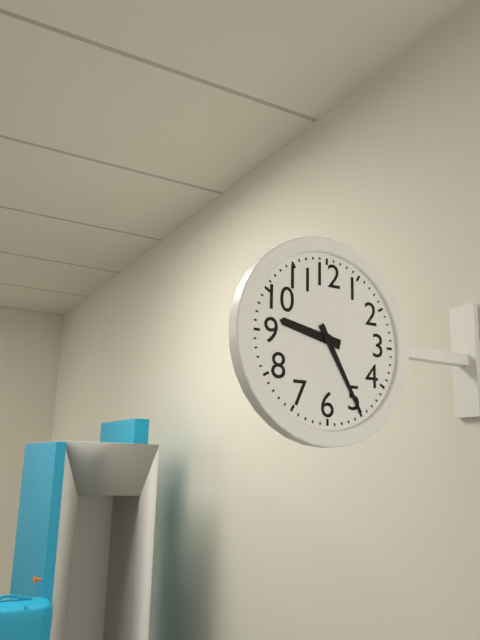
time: **9:25**
